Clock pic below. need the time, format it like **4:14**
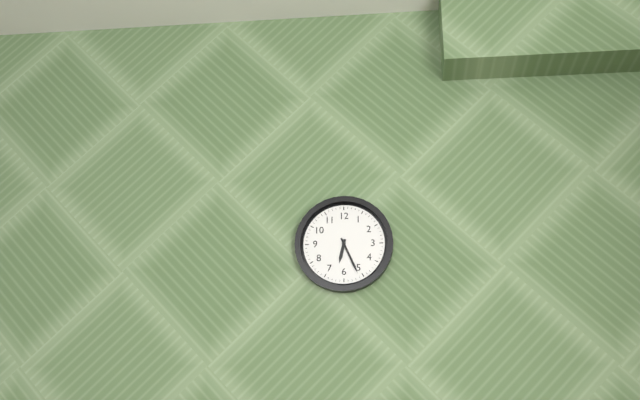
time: **6:26**
